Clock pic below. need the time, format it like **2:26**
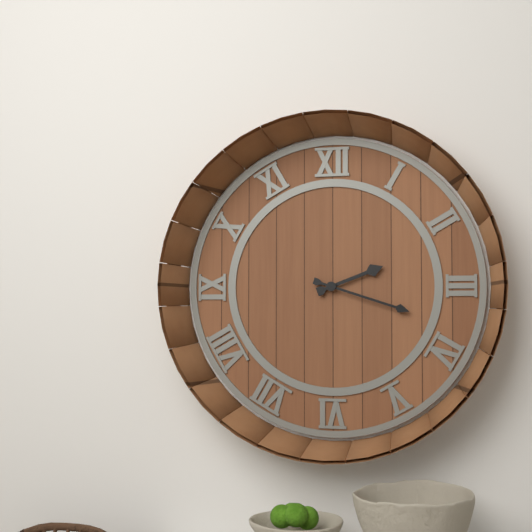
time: **2:18**
